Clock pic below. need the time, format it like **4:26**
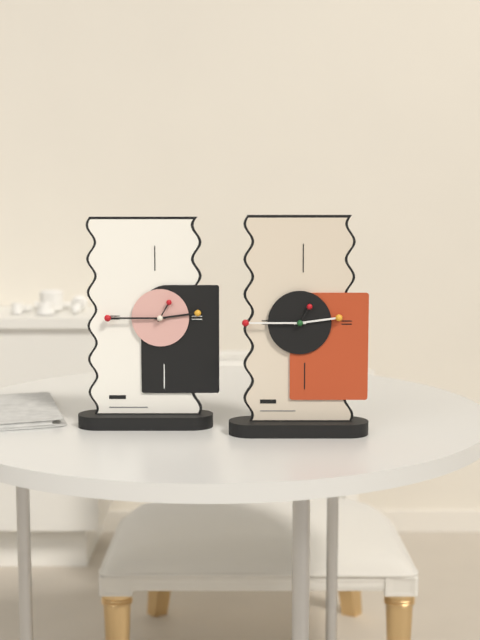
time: **2:45**
